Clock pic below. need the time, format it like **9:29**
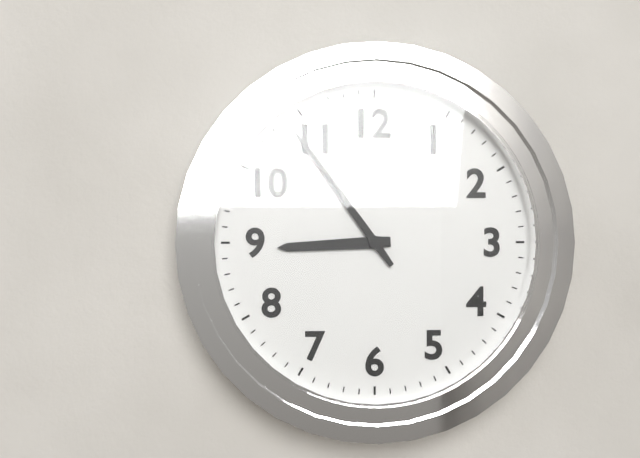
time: **8:54**
